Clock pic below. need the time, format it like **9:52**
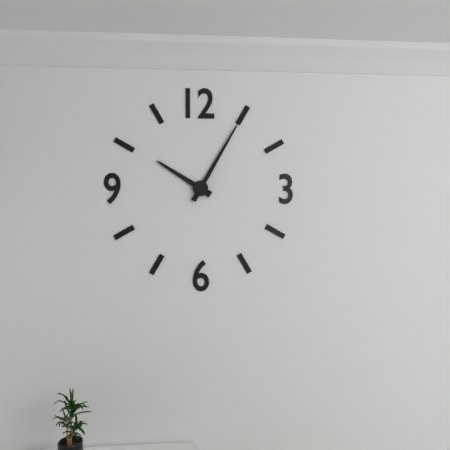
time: **10:05**
